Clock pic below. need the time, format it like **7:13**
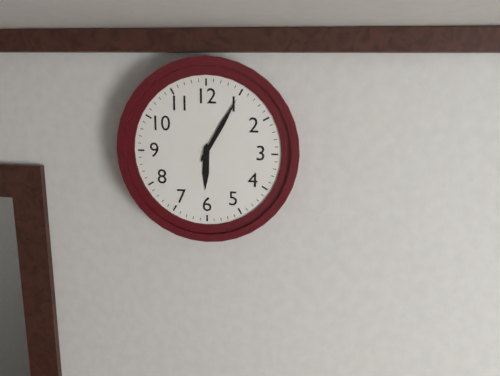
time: **6:05**
